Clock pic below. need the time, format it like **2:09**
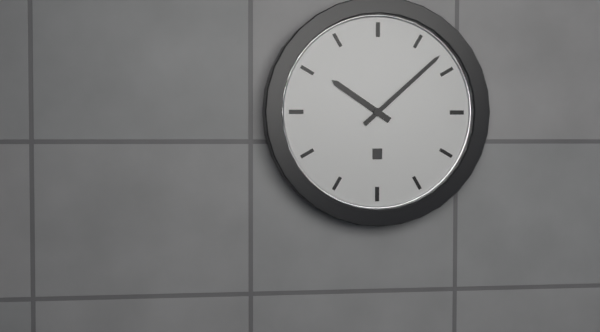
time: **10:08**
